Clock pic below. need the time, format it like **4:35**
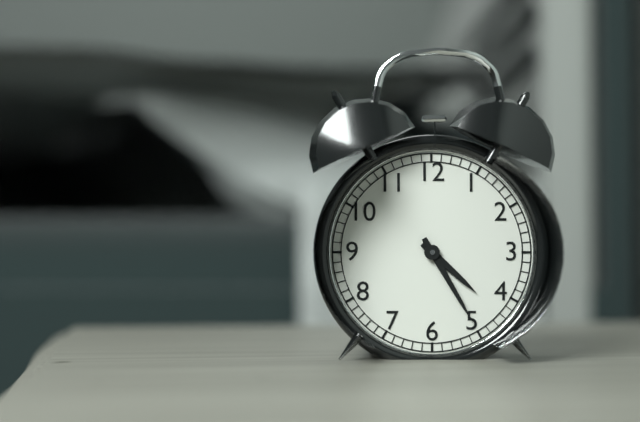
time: **4:25**
